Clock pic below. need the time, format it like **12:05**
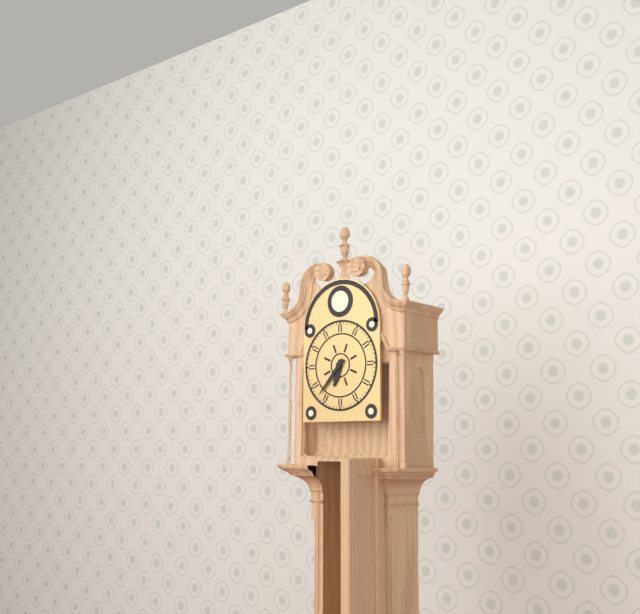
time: **6:37**
